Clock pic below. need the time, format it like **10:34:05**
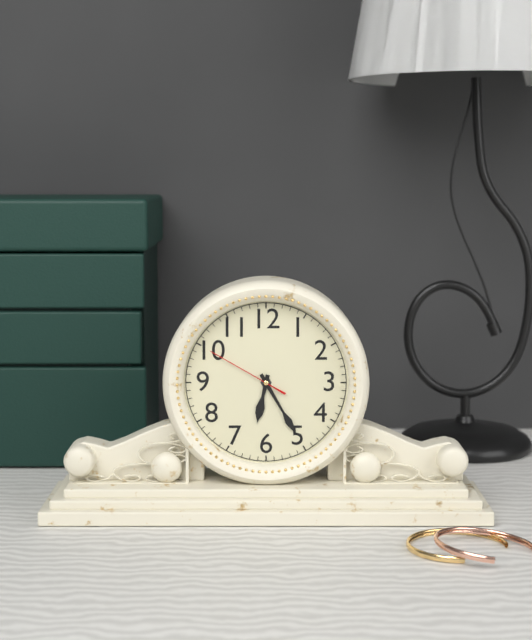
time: **6:25:50**
